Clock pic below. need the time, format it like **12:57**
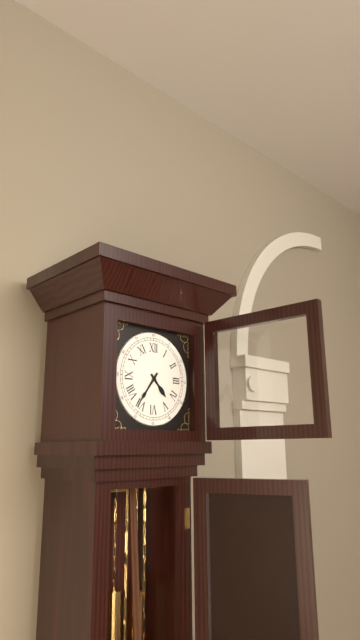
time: **4:36**
